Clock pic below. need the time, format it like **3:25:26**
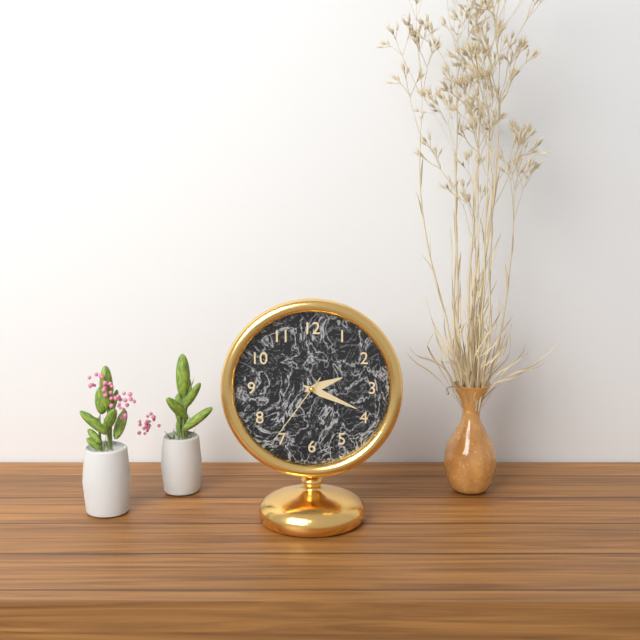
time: **2:19:36**
